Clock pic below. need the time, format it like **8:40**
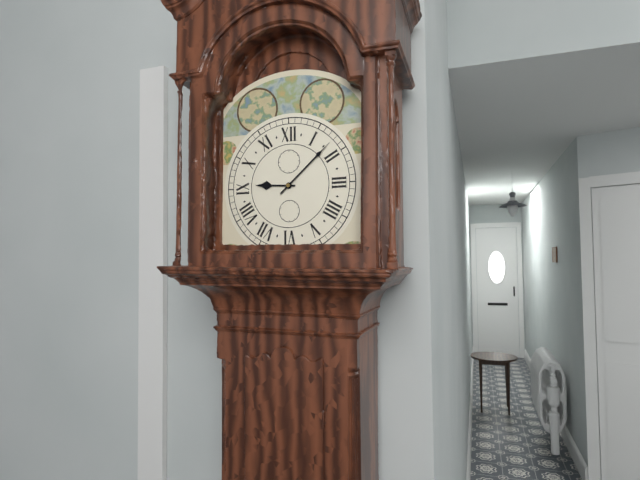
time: **9:08**
